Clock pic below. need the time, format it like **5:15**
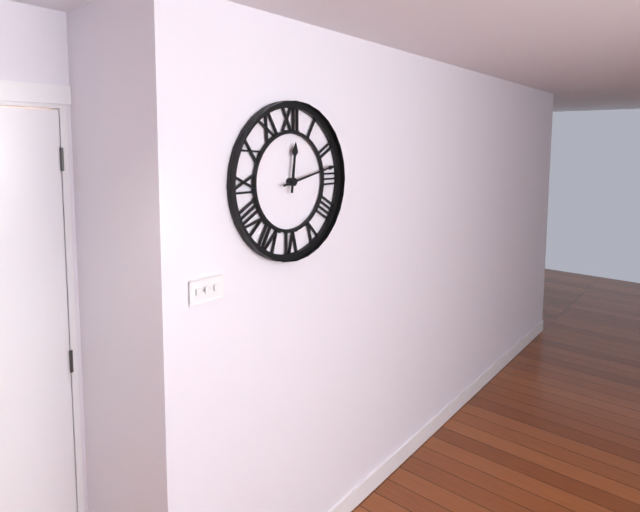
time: **12:13**
